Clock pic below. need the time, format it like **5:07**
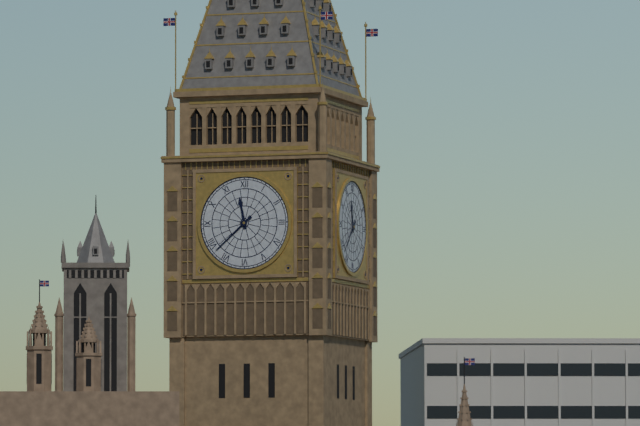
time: **11:38**
